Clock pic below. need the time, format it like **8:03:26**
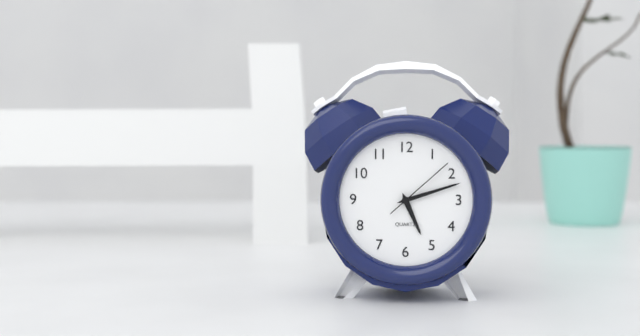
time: **5:12:08**
